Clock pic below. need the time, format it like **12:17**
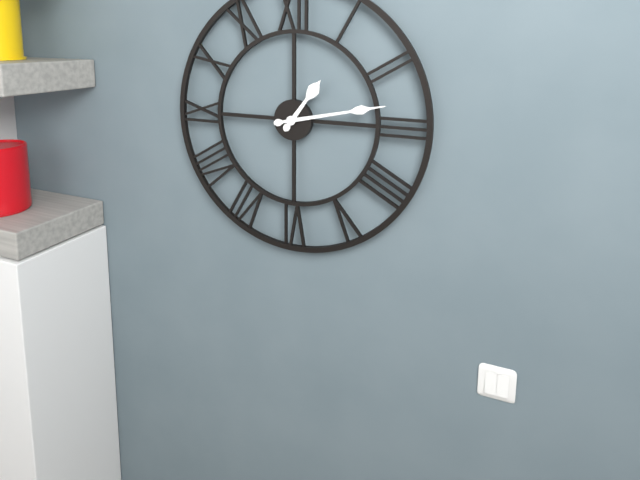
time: **1:13**
